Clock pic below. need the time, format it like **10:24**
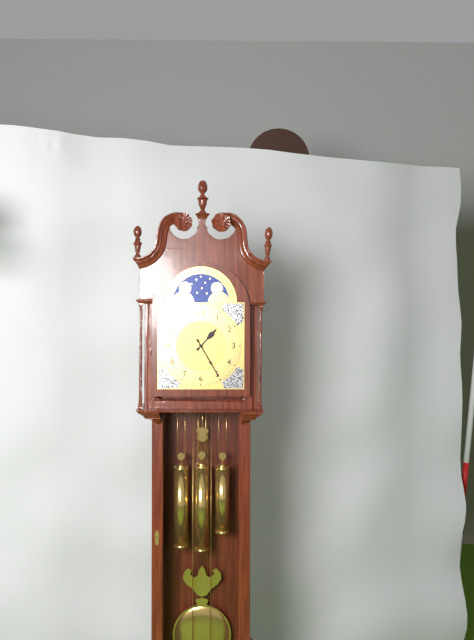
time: **1:25**
